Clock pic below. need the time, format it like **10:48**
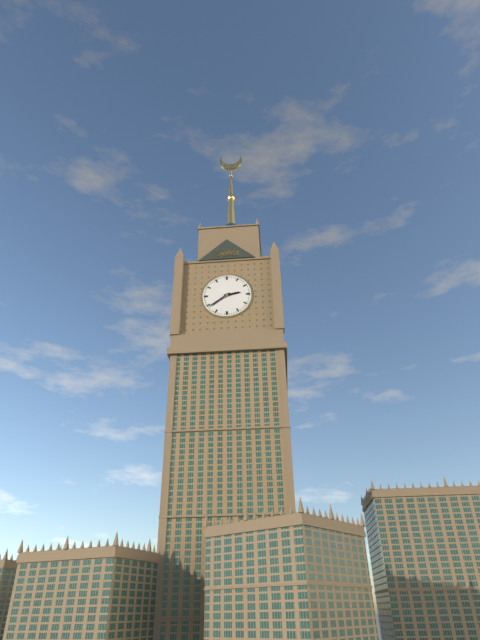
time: **2:39**
